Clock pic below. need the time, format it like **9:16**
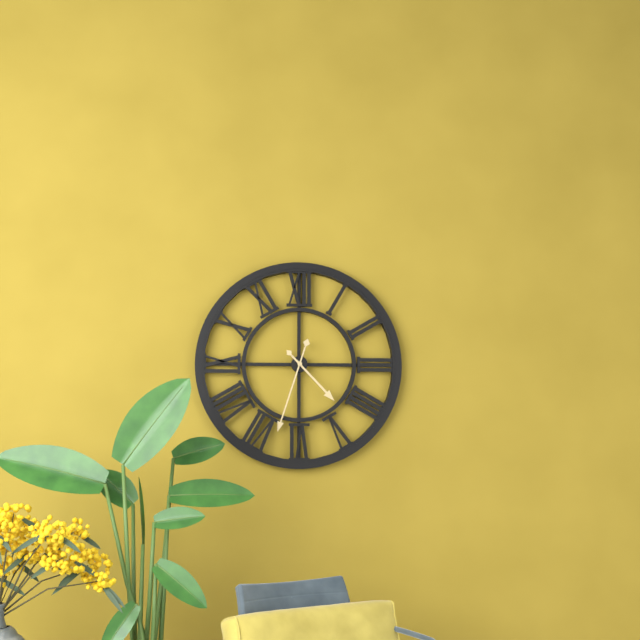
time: **4:33**
